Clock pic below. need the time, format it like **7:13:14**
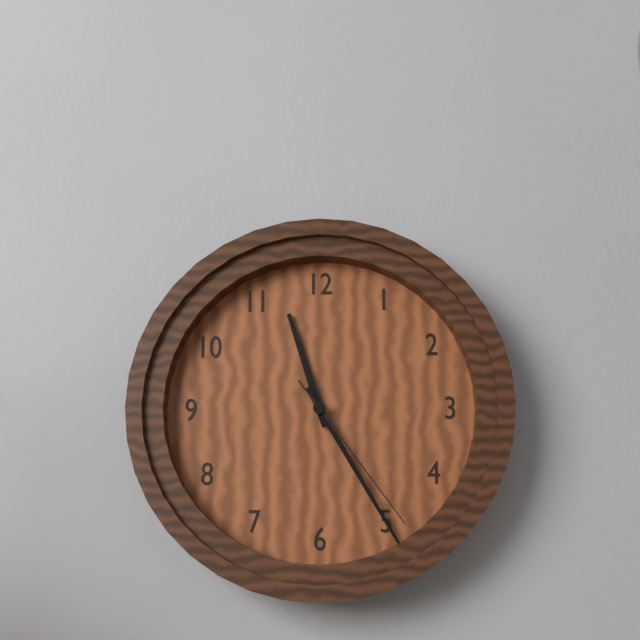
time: **11:25:24**
